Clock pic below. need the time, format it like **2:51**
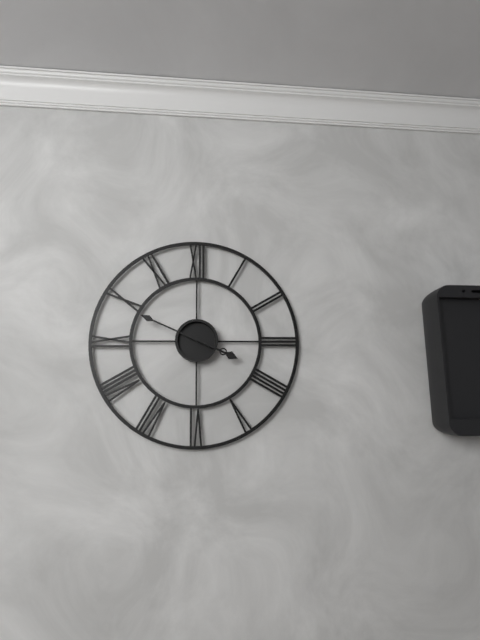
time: **3:49**
